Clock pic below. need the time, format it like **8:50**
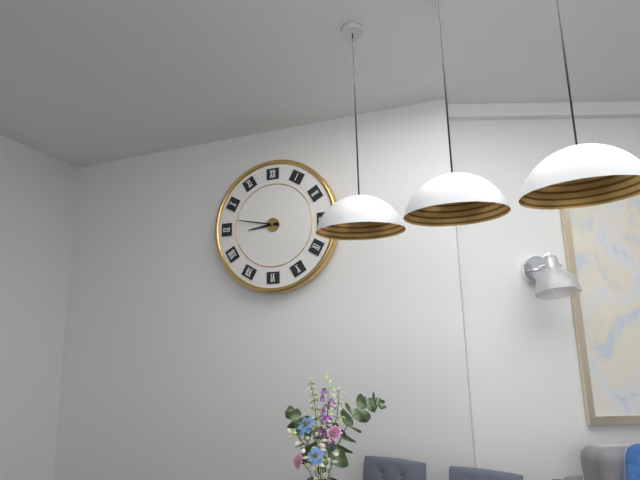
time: **8:47**
